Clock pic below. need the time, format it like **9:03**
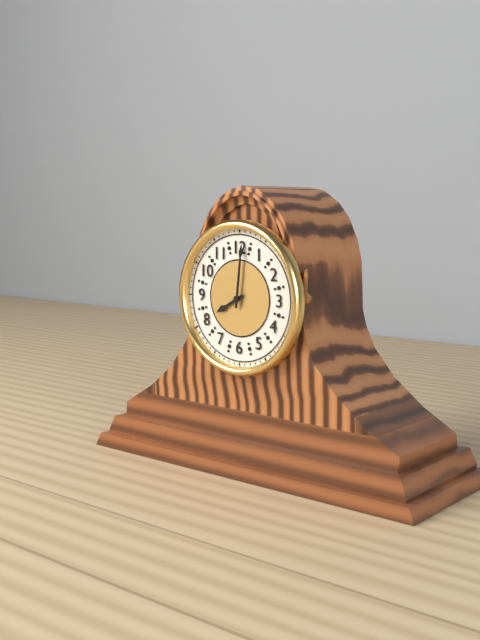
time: **8:01**
